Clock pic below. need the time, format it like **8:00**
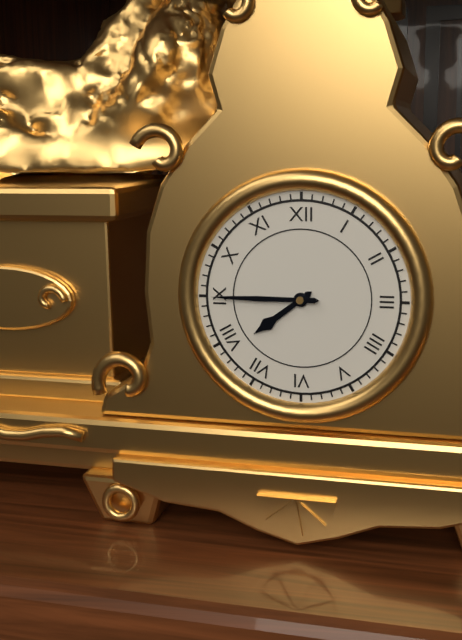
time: **7:45**
